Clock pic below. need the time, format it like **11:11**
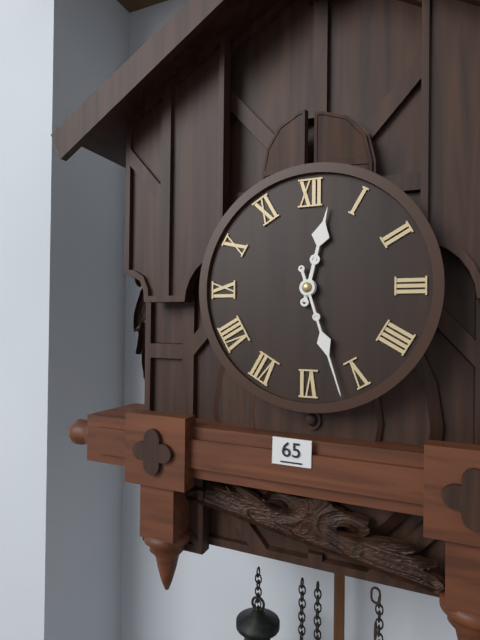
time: **12:27**
